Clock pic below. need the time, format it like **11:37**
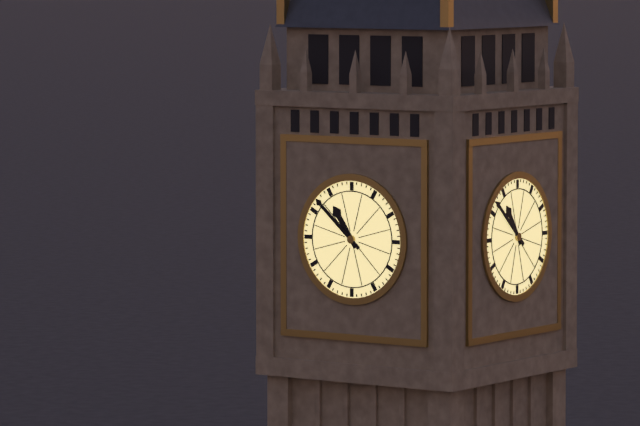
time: **10:52**
